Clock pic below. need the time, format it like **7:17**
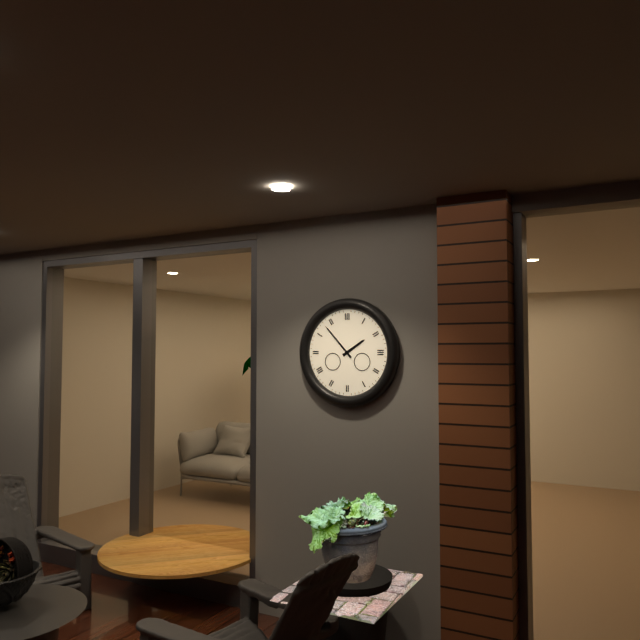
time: **1:53**
